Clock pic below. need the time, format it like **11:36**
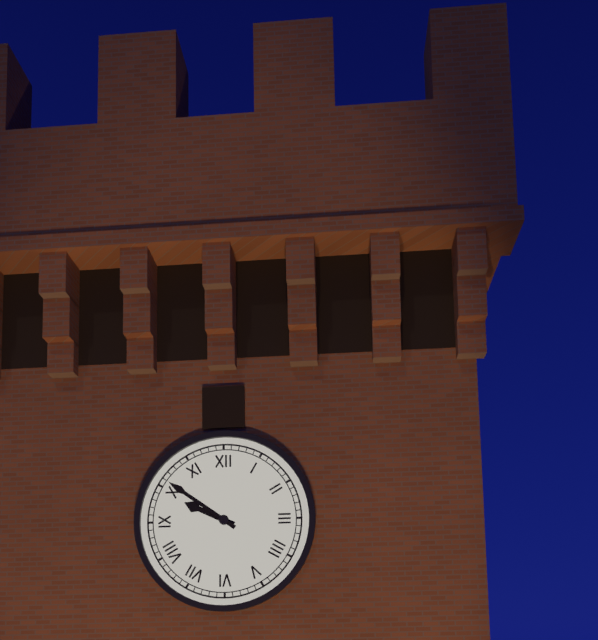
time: **9:51**
